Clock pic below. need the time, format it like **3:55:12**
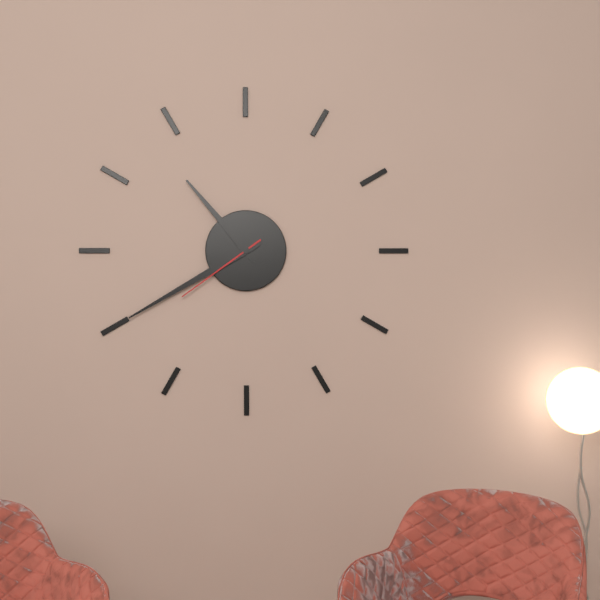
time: **10:40:39**
